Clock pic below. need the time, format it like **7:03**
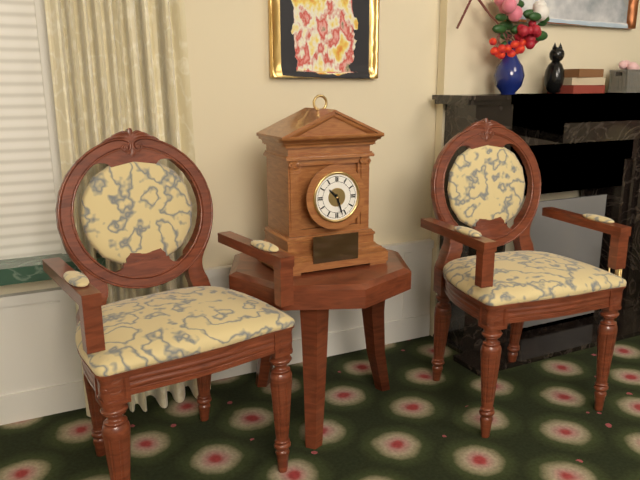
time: **10:27**
